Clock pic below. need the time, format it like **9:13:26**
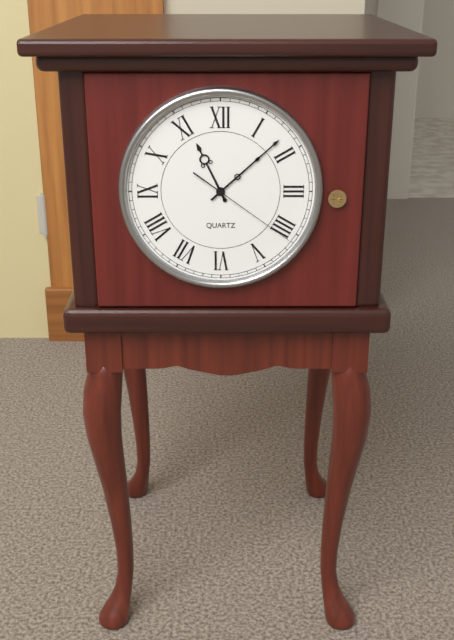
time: **11:08:21**
